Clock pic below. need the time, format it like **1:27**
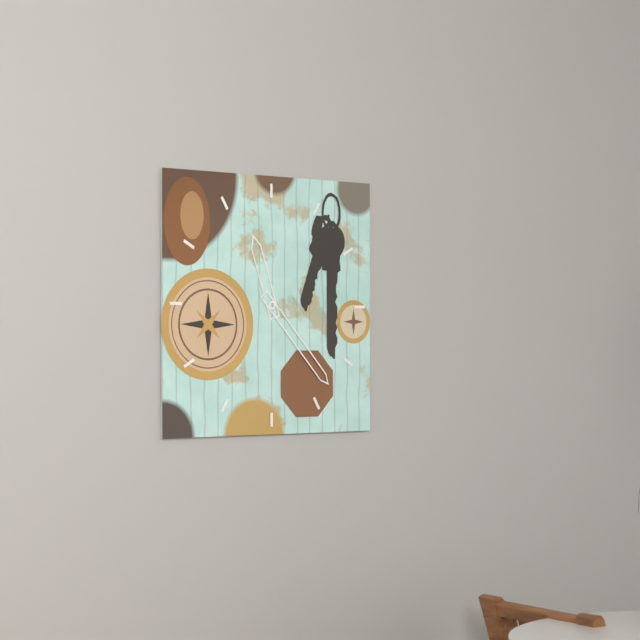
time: **11:23**
